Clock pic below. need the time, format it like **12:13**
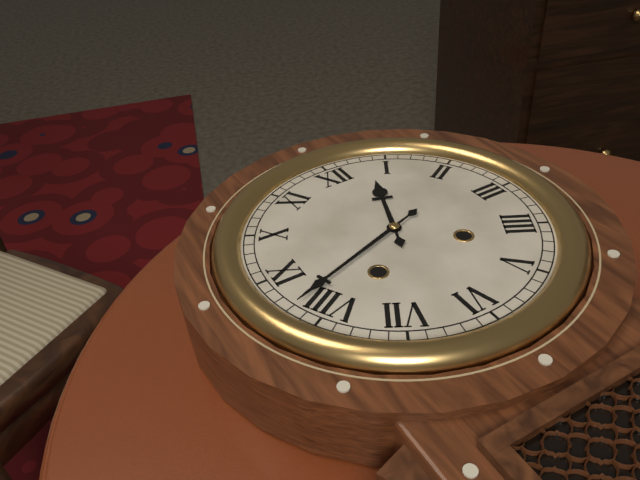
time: **12:42**
